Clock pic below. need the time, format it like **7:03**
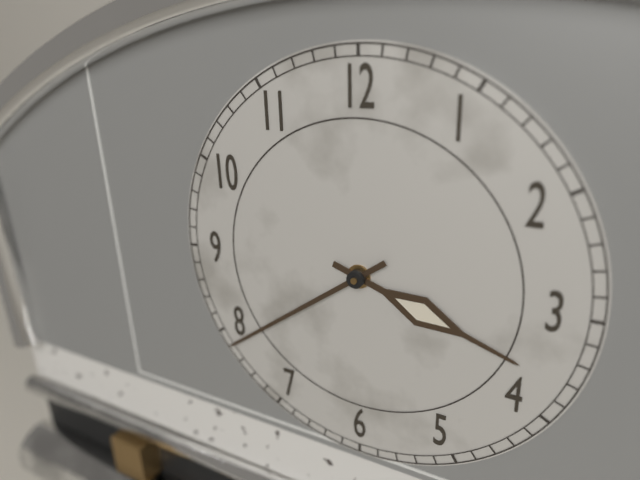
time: **3:39**
